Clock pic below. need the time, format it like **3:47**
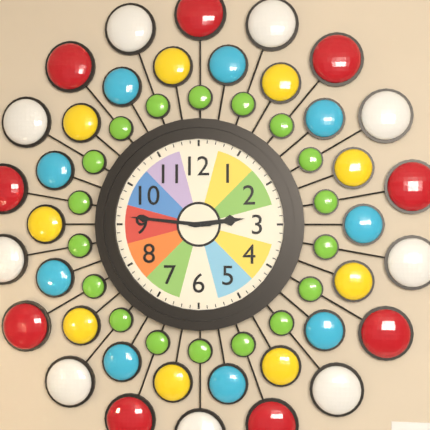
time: **2:46**
